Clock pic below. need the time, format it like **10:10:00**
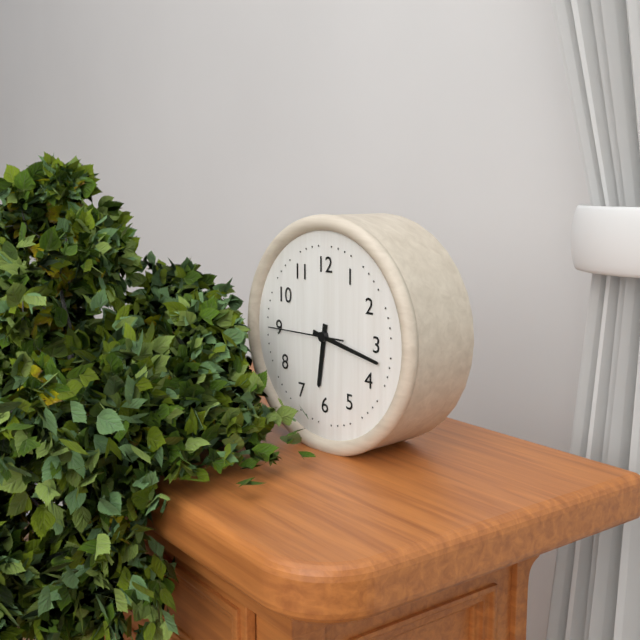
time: **6:17:45**
